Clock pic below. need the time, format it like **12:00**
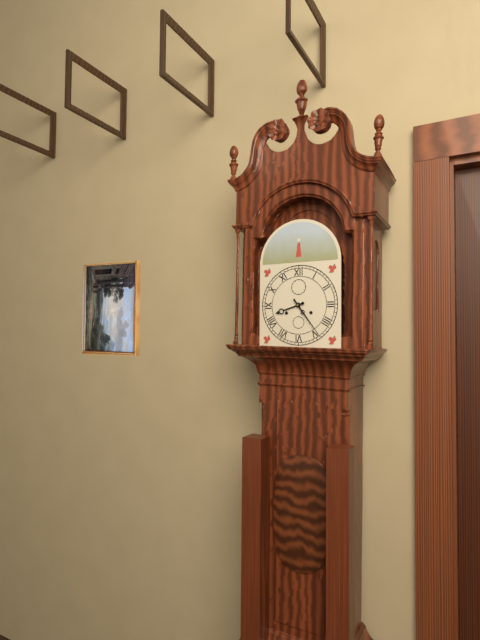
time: **8:24**
